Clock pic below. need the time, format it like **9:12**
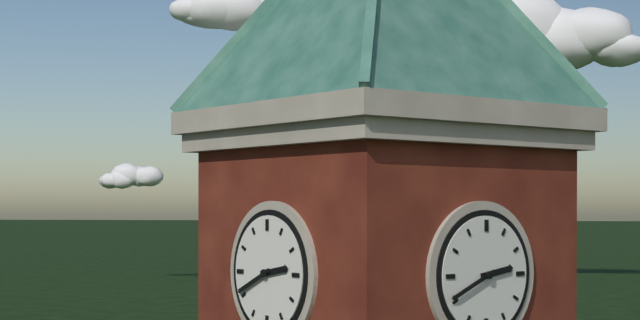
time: **2:41**
